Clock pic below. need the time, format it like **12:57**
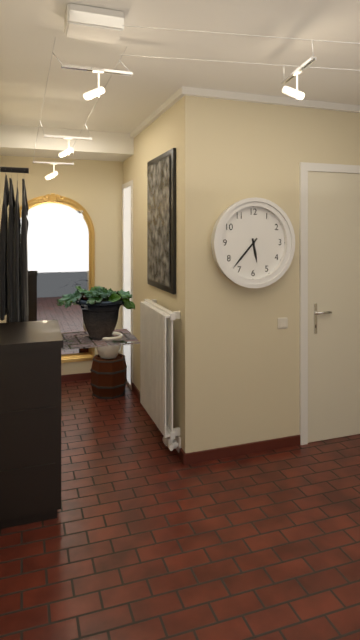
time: **5:37**
